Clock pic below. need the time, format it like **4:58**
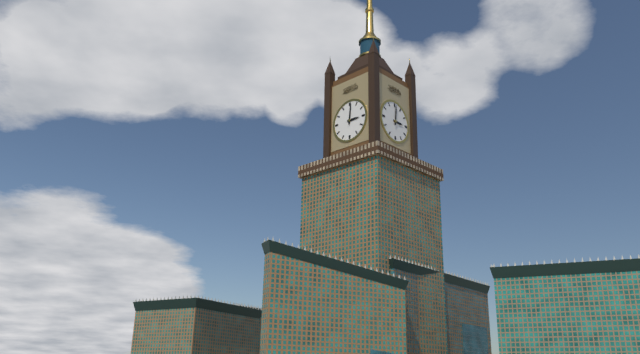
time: **3:01**
